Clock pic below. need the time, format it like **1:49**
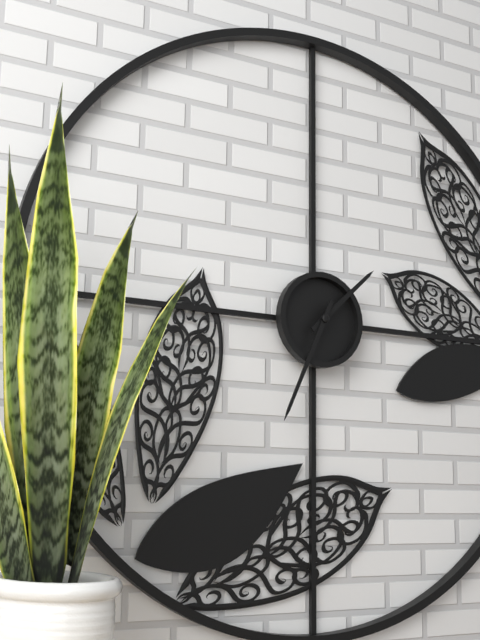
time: **1:34**
